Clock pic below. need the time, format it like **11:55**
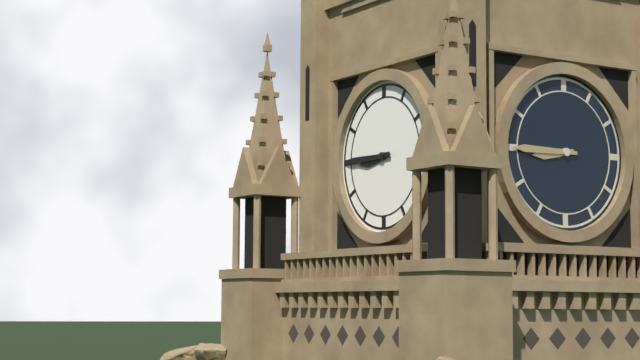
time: **8:45**
